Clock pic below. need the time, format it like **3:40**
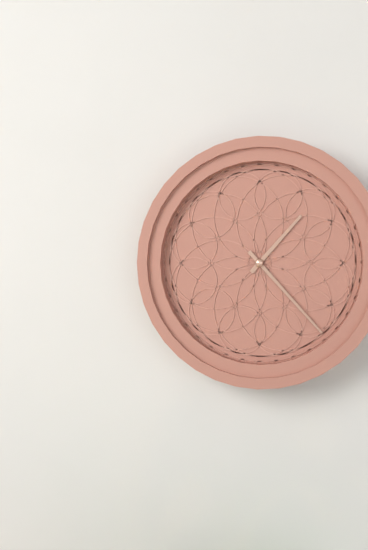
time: **1:23**
